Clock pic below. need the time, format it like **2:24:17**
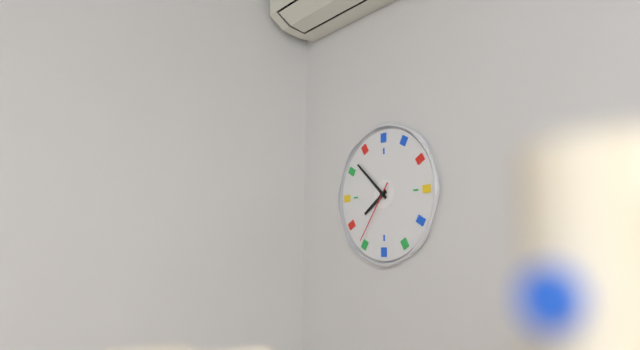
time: **7:52:36**
